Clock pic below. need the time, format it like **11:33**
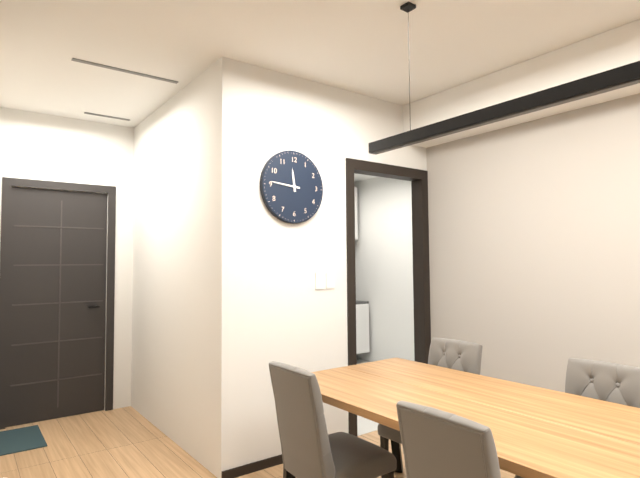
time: **11:46**
